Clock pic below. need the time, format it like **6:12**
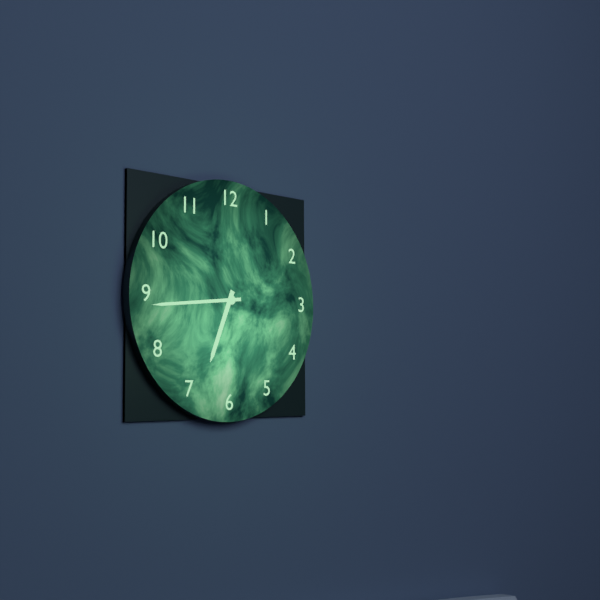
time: **6:44**
